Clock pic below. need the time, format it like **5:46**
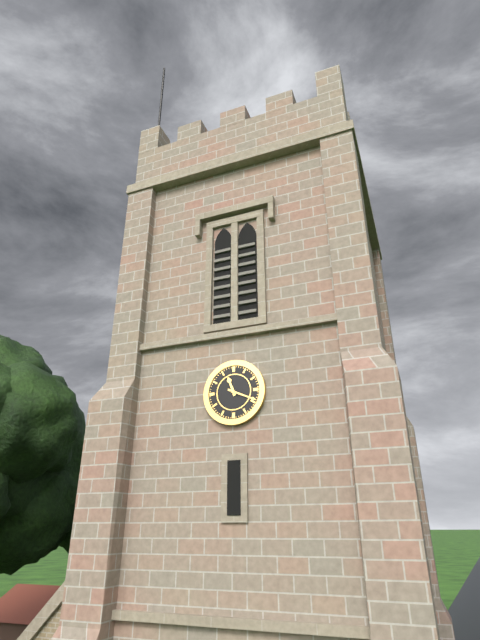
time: **11:19**
